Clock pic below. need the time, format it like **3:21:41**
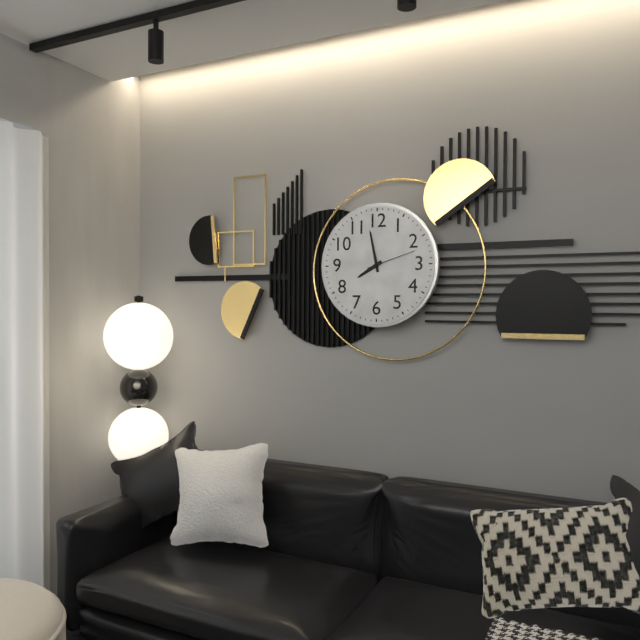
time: **7:58:12**
